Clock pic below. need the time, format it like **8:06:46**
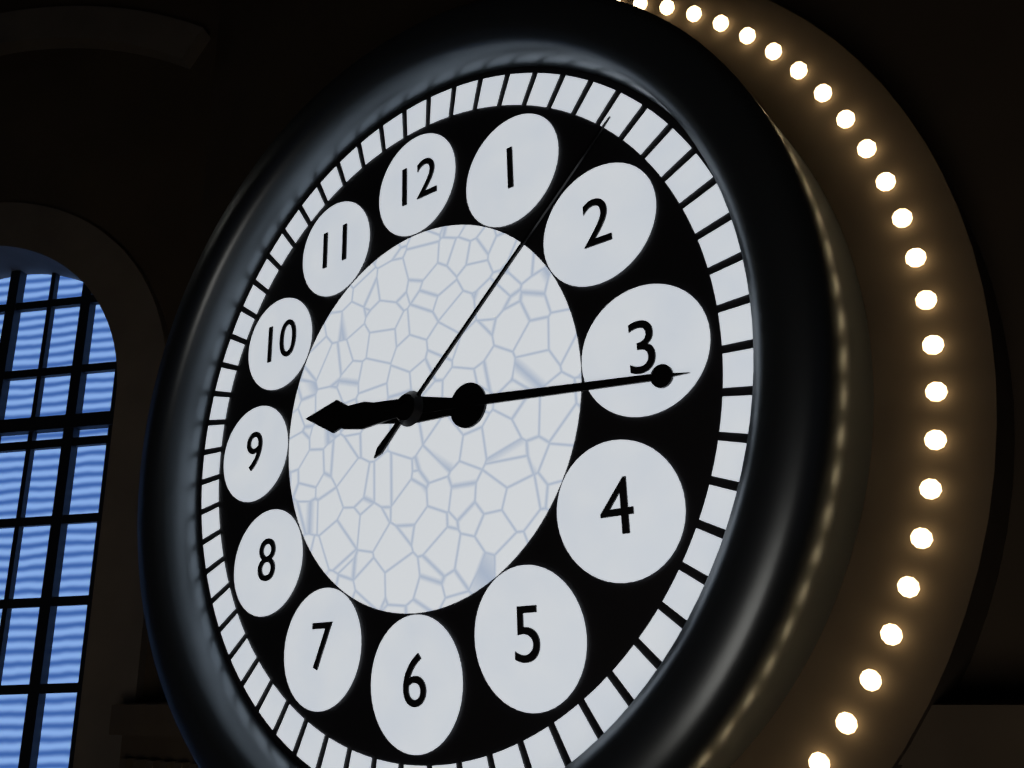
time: **9:16:08**
